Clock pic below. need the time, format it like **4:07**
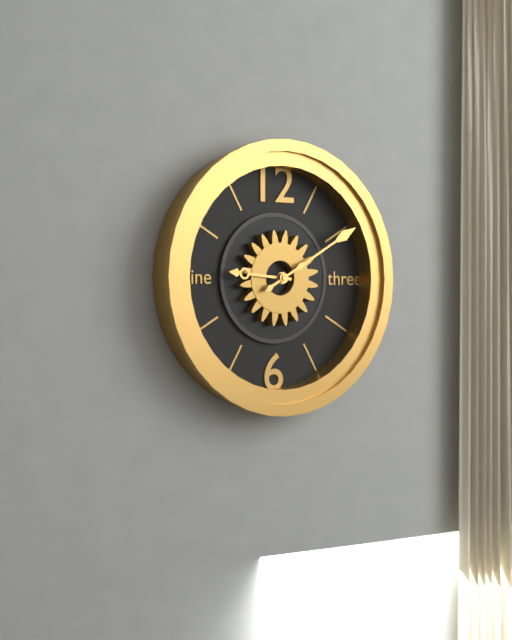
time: **9:10**
